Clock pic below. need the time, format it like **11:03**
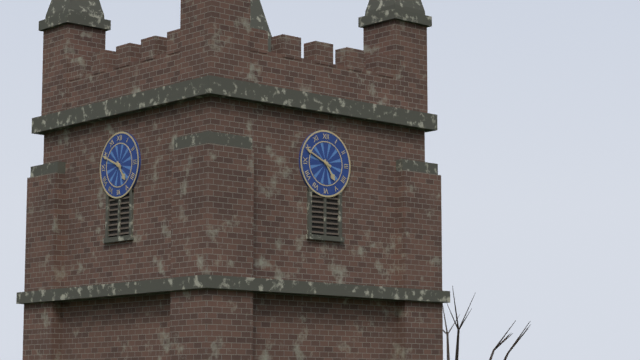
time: **4:49**
